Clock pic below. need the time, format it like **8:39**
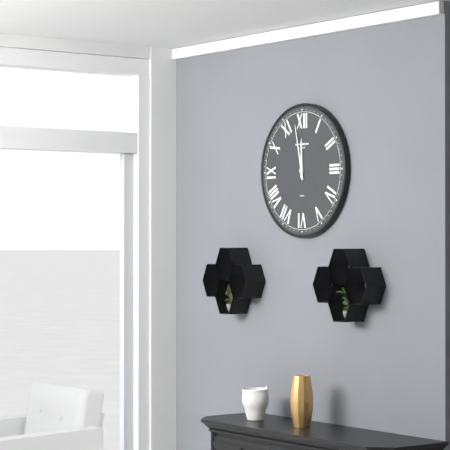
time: **11:58**
